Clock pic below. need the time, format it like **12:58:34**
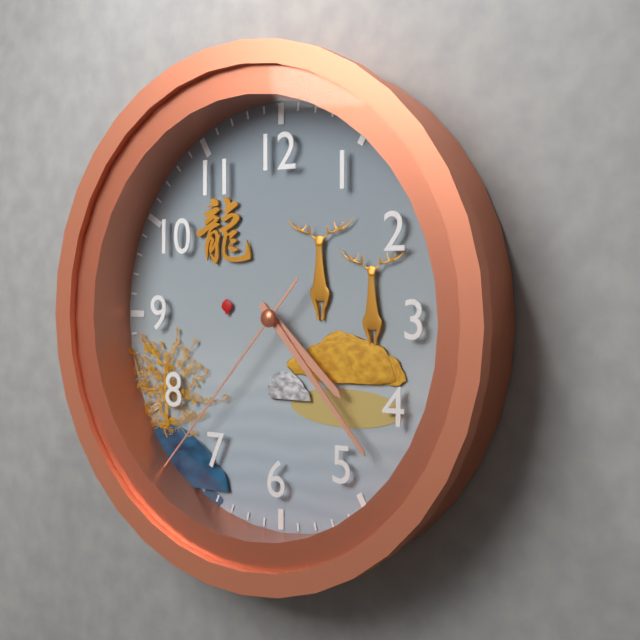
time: **4:23:37**
